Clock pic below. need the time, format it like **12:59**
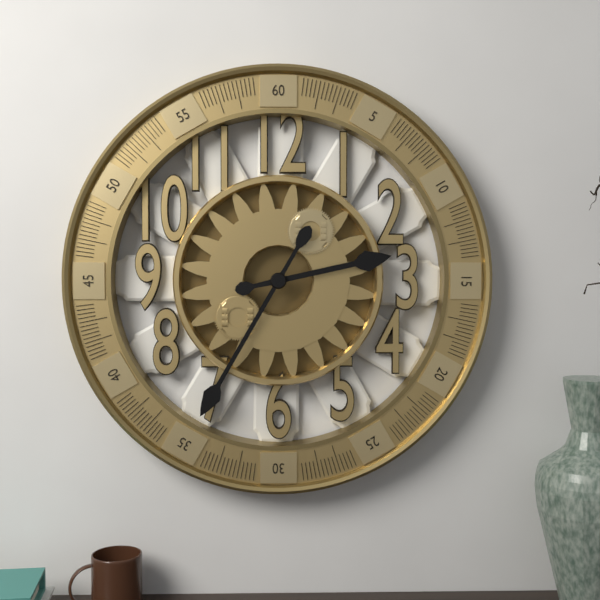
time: **2:35**
